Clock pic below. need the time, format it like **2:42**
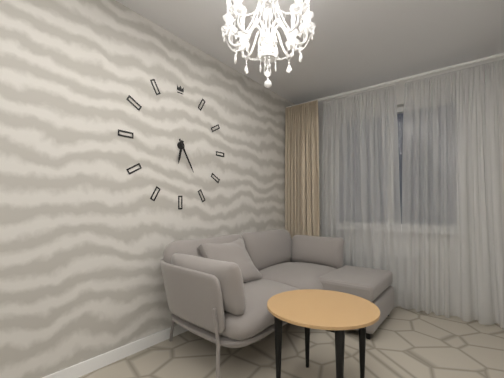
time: **6:25**
